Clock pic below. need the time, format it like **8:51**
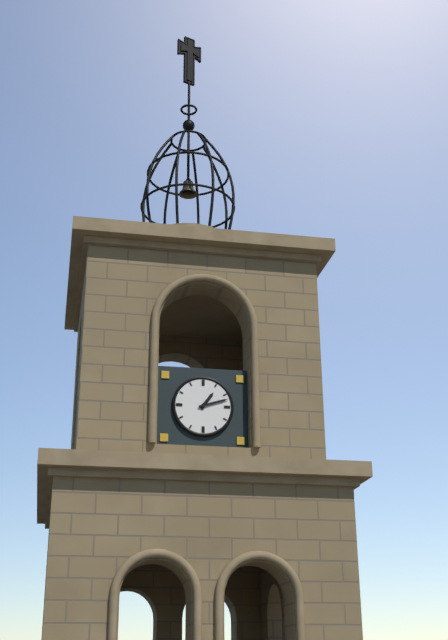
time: **1:12**
